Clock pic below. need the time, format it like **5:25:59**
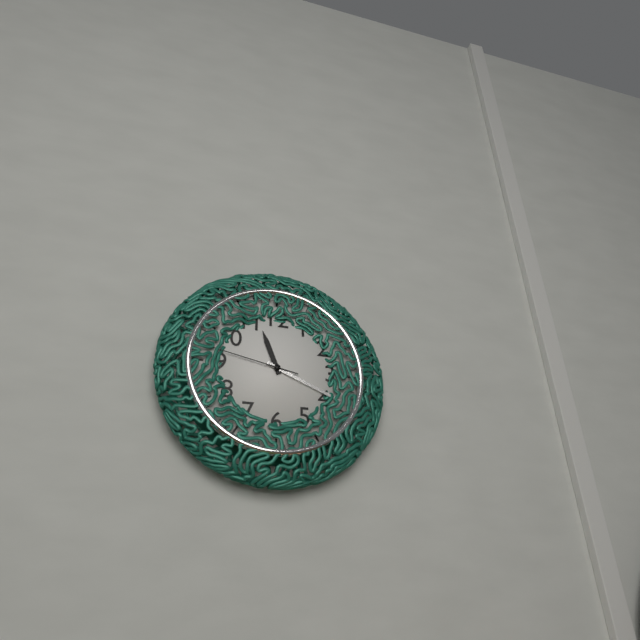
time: **11:19:47**
